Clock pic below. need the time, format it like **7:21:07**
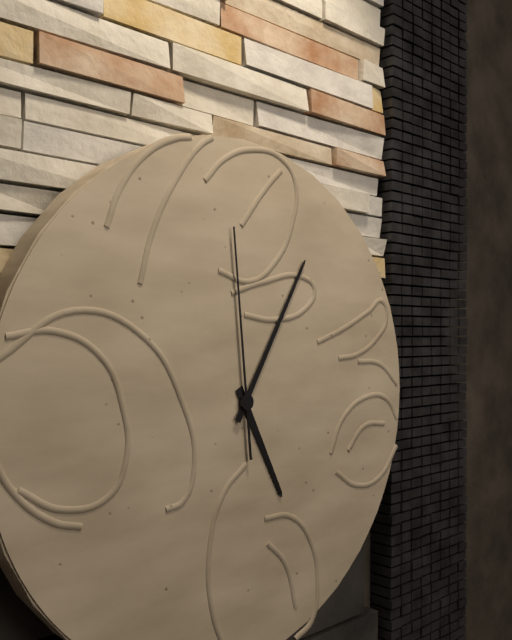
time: **5:05:59**
